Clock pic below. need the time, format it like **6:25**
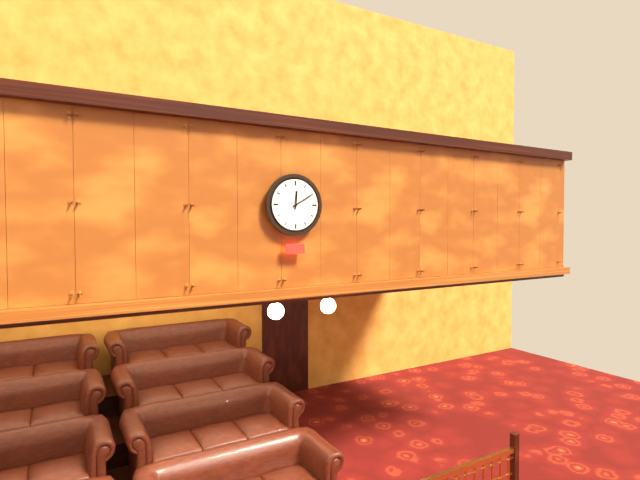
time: **12:10**
